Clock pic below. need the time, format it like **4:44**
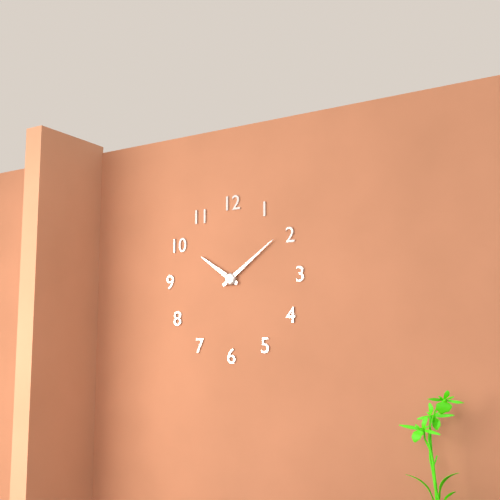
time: **10:09**
